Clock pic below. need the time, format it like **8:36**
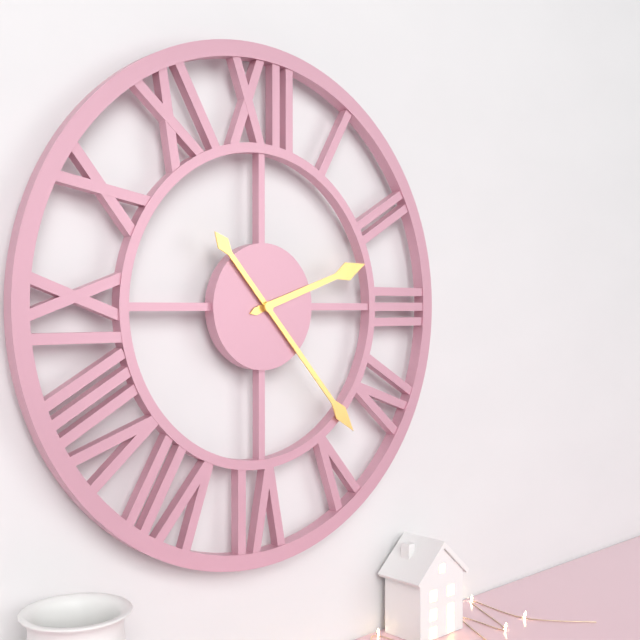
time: **2:23**
